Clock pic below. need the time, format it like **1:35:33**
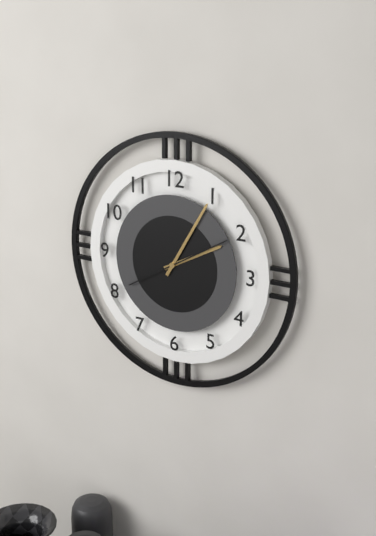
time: **2:05:10**
